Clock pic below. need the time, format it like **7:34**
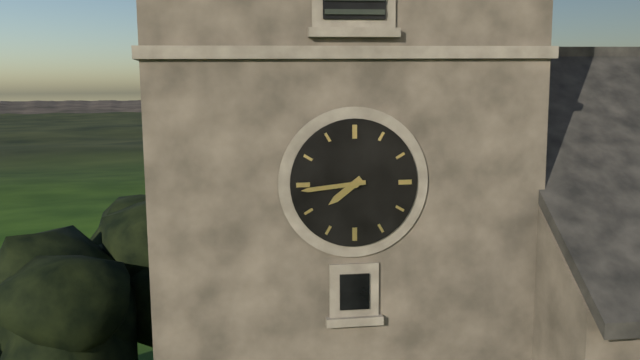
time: **7:44**
